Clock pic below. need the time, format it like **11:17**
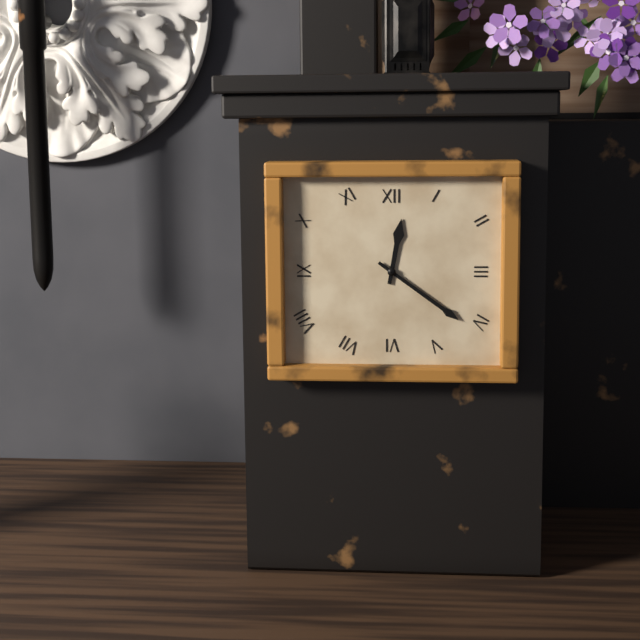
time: **12:21**
